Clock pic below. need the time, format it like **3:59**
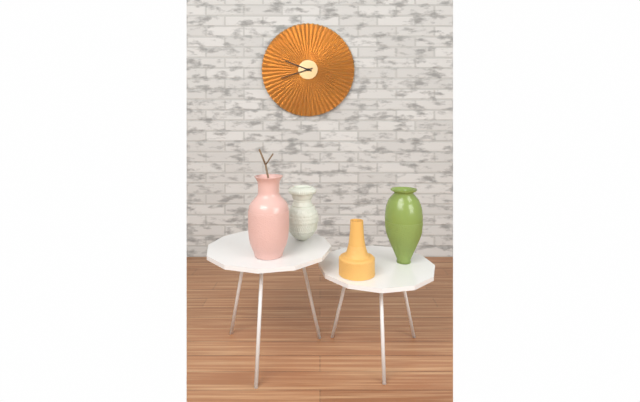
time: **9:42**
